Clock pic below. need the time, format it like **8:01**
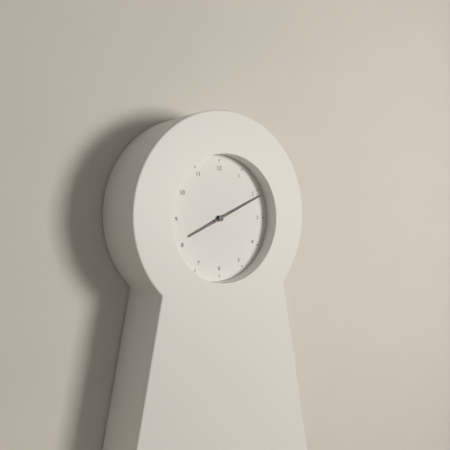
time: **8:11**
